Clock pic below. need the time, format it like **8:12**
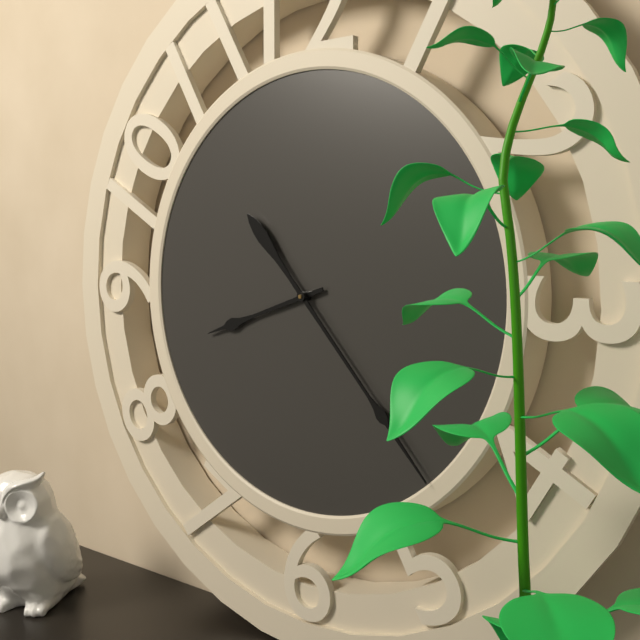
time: **8:23**
